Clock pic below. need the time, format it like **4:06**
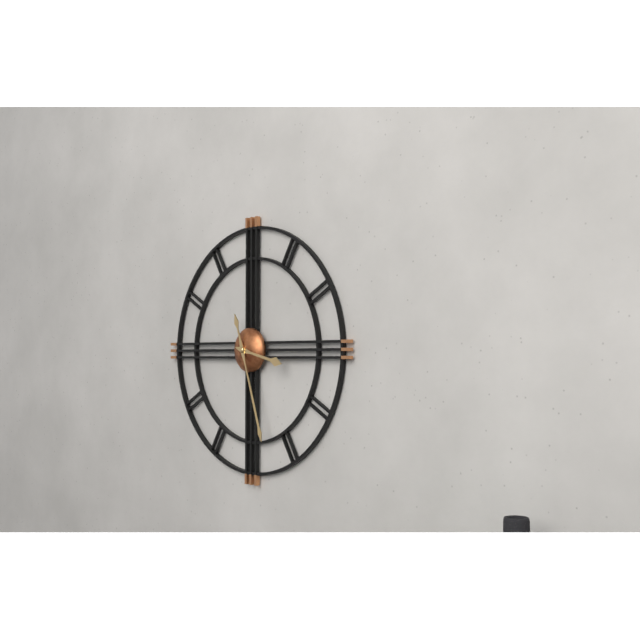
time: **3:27**
